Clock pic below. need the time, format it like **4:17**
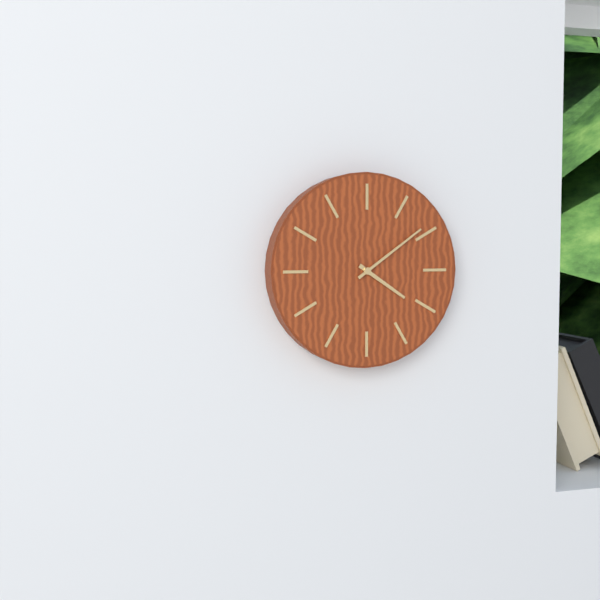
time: **4:09**
